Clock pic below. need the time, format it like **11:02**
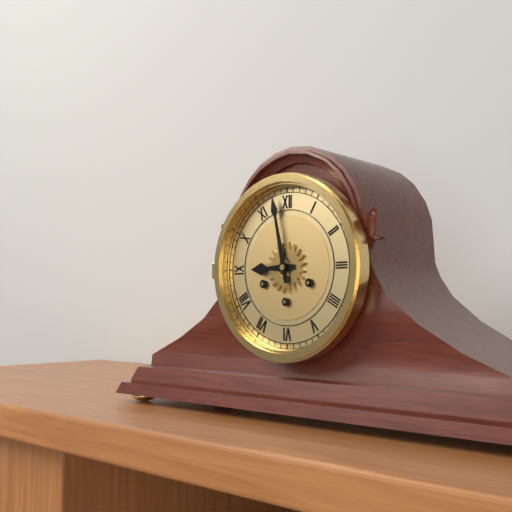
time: **8:58**
